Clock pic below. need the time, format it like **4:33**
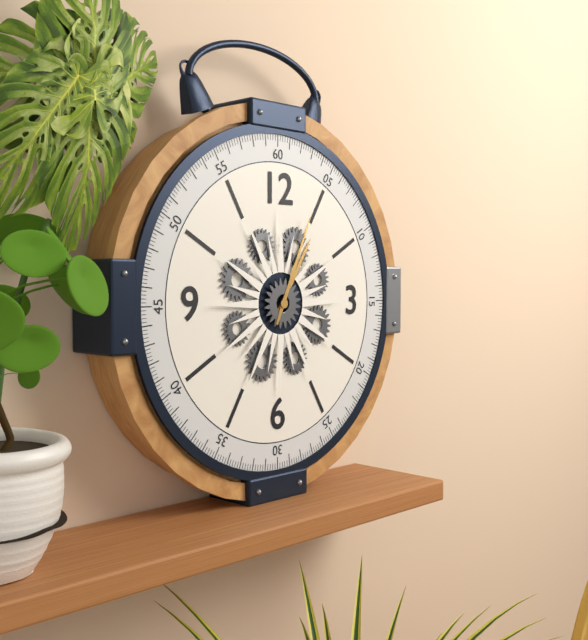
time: **1:04**
